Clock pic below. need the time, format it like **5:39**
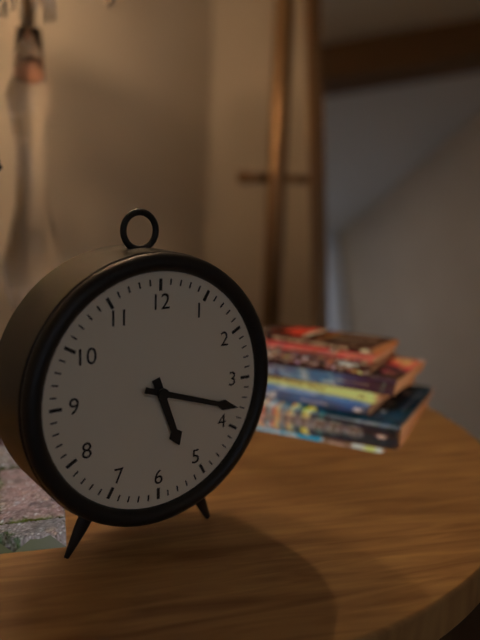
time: **5:18**
